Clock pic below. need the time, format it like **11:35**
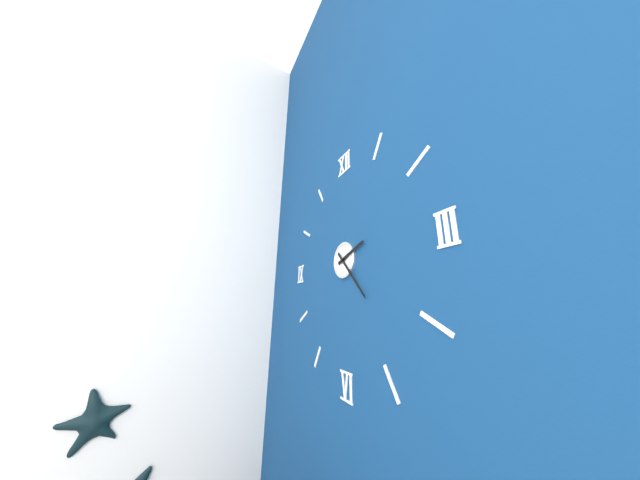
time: **2:23**
